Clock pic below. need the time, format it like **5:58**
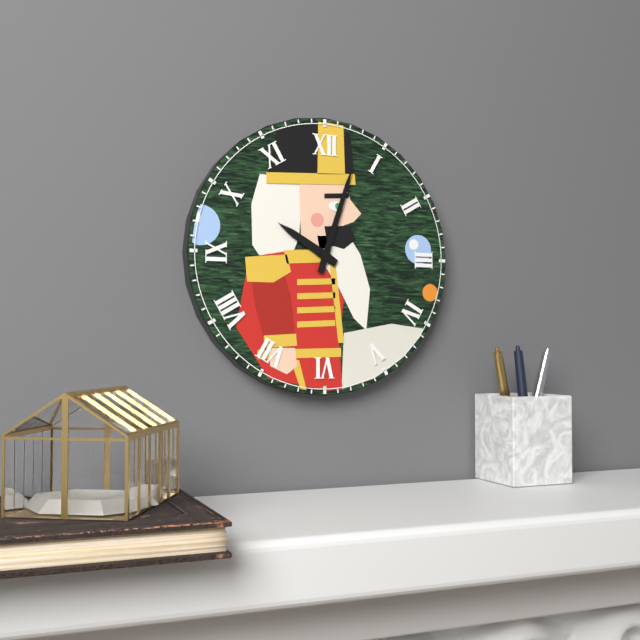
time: **10:03**
